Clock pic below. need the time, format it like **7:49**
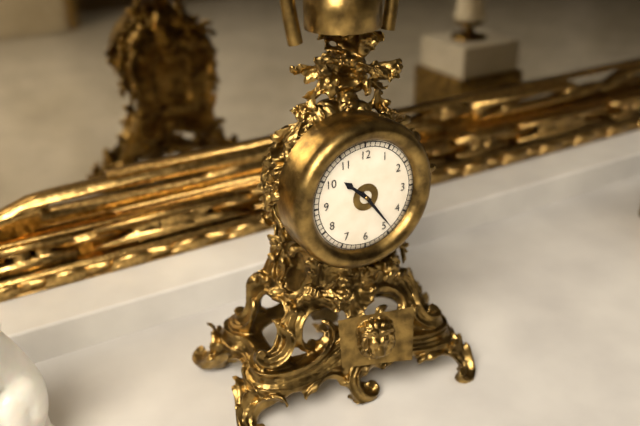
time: **10:24**
